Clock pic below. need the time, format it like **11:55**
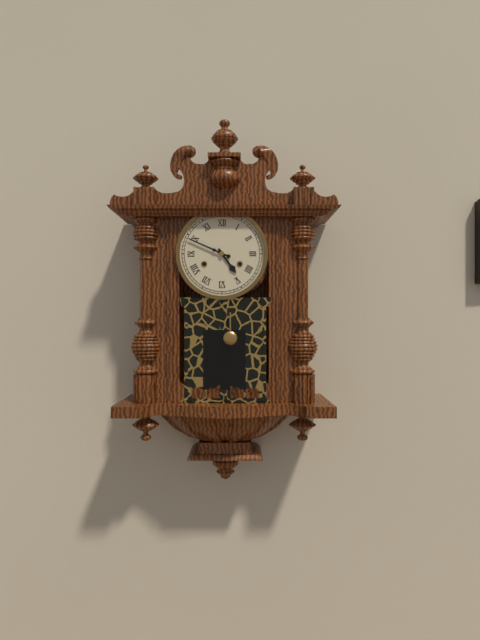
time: **4:49**
